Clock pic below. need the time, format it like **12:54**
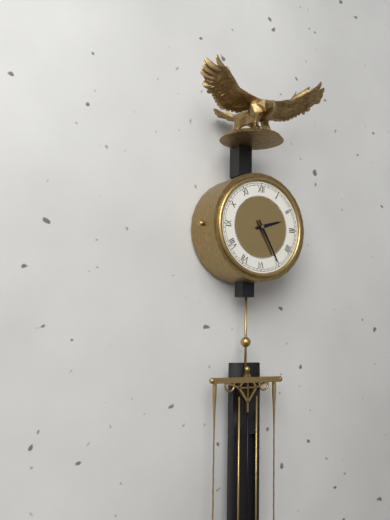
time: **2:25**
